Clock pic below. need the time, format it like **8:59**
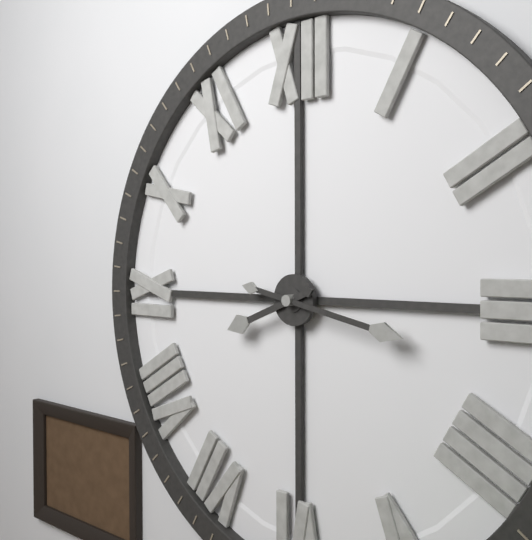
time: **8:17**
